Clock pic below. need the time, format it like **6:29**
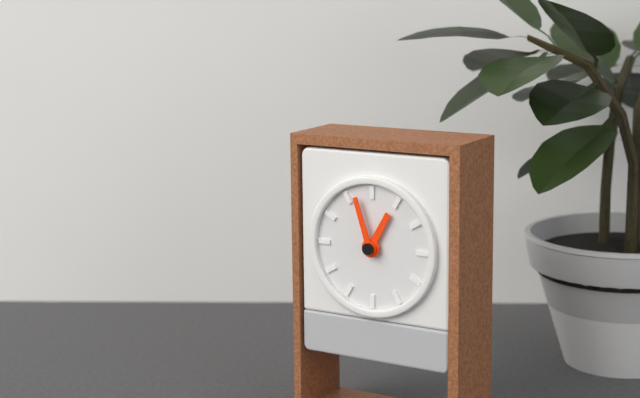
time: **12:57**
